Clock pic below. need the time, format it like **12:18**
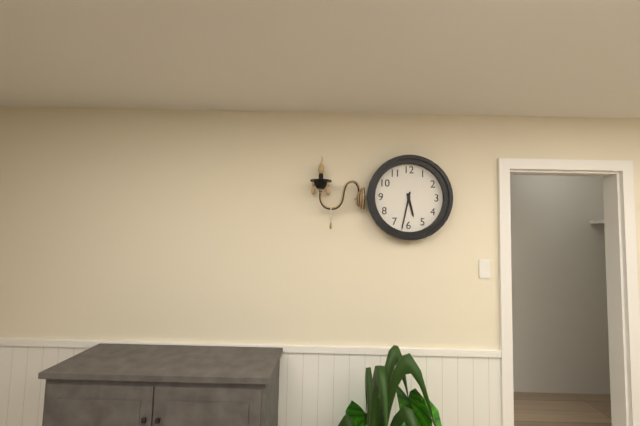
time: **5:32**
